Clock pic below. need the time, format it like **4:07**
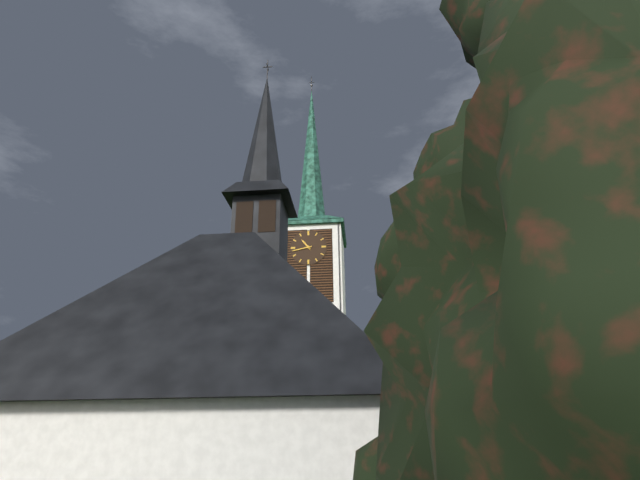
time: **10:43**
